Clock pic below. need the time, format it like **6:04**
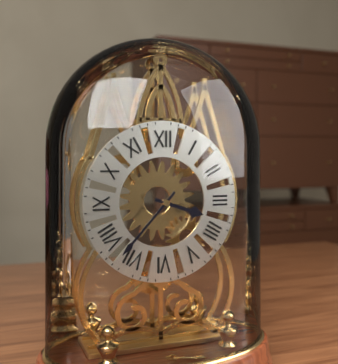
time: **3:37**
